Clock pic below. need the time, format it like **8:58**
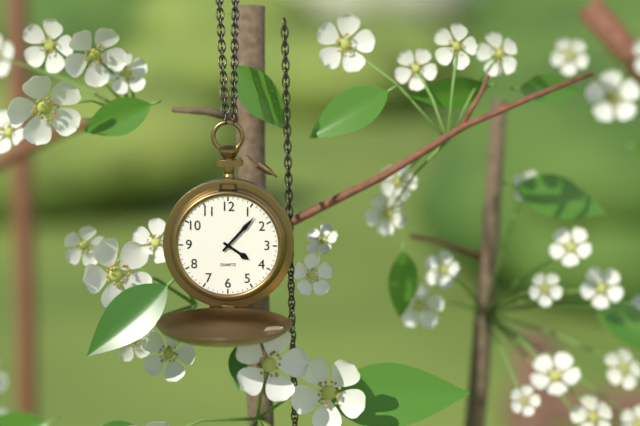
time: **4:07**
